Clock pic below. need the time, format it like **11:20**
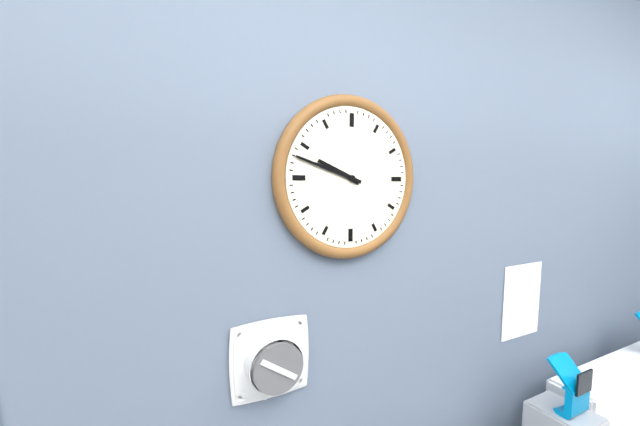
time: **9:48**
